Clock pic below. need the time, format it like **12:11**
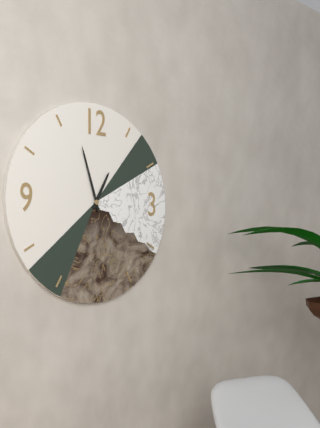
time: **12:57**
